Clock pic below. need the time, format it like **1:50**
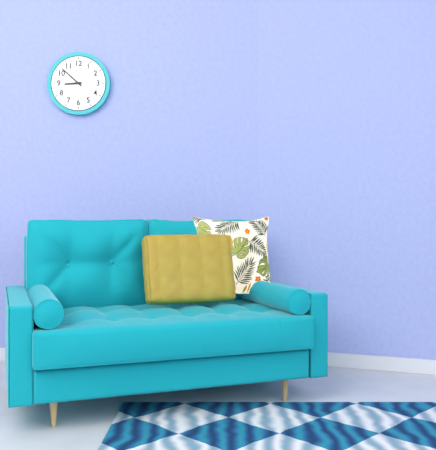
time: **8:52**
